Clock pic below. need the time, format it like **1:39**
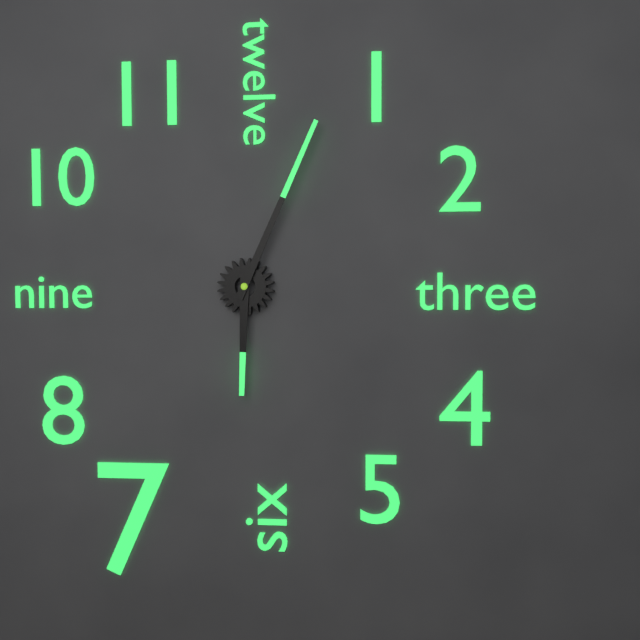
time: **6:04**
